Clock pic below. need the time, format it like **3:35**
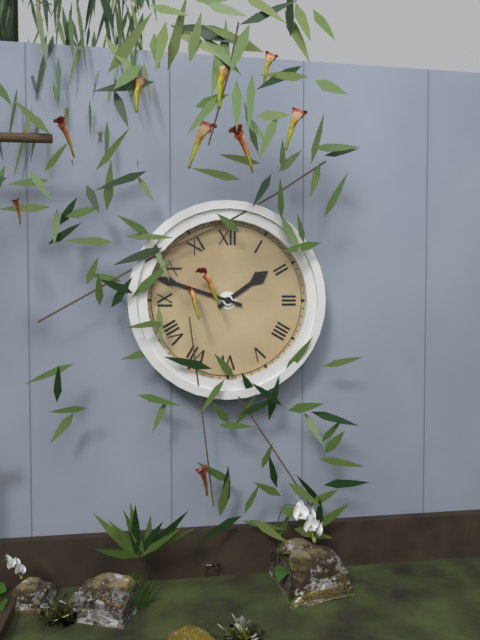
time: **1:48**
